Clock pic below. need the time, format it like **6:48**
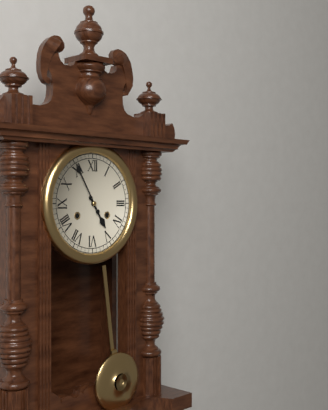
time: **4:55**
